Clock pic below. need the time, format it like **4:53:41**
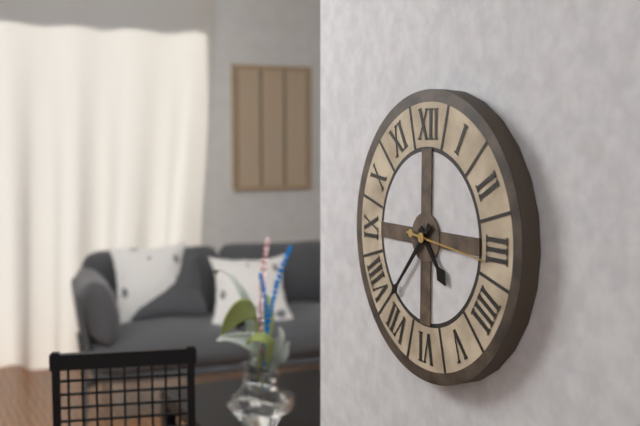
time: **4:37:16**
